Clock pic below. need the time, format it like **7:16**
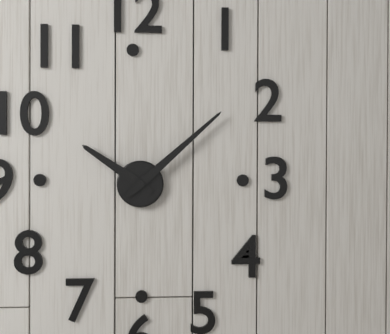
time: **10:08**
